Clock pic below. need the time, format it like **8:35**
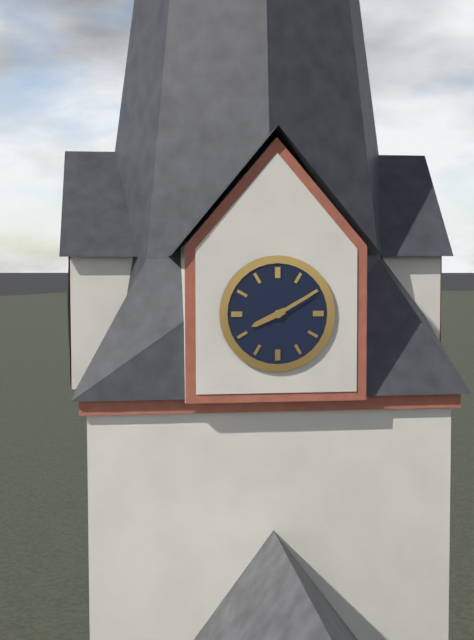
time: **8:10**
